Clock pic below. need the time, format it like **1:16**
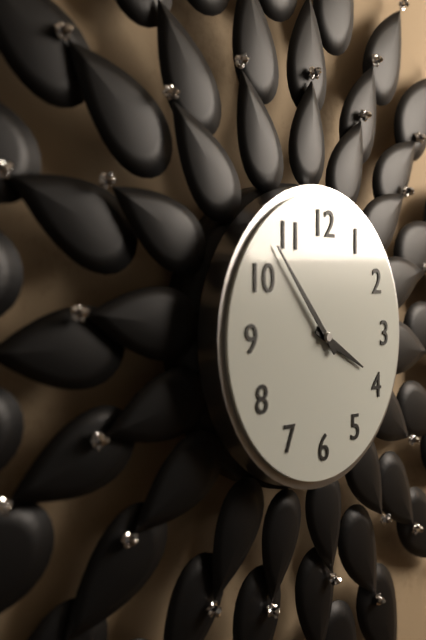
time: **3:53**
